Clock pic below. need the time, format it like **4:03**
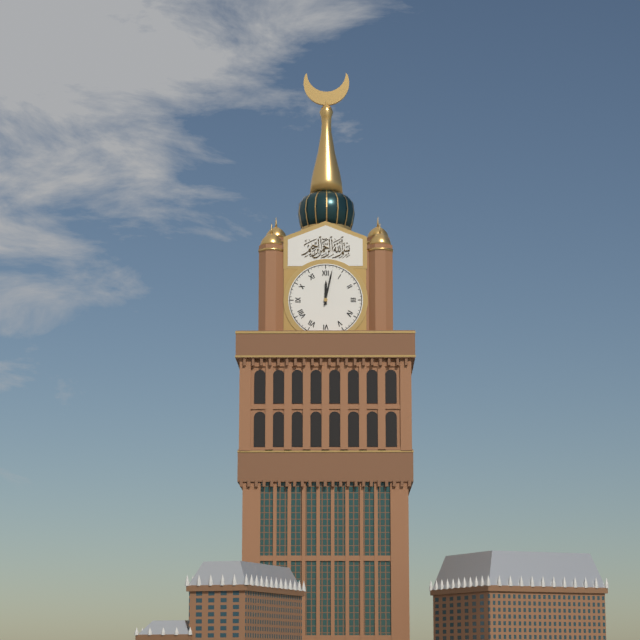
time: **12:02**
